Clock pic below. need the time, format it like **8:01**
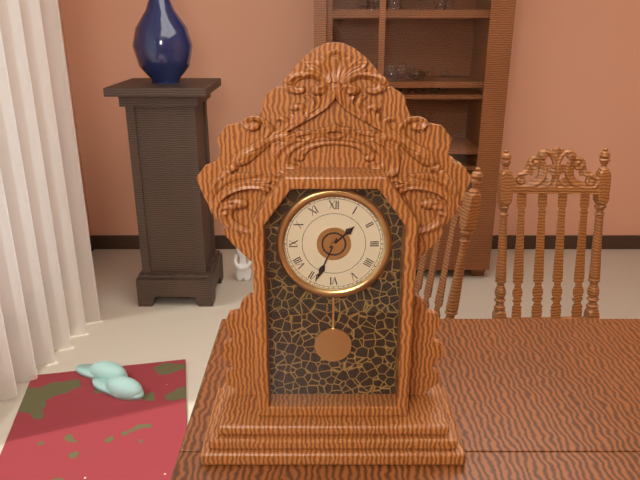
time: **1:34**
